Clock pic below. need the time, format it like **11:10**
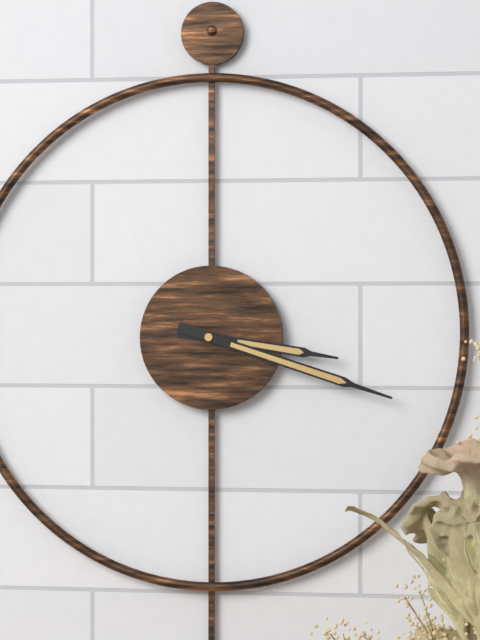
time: **3:18**
